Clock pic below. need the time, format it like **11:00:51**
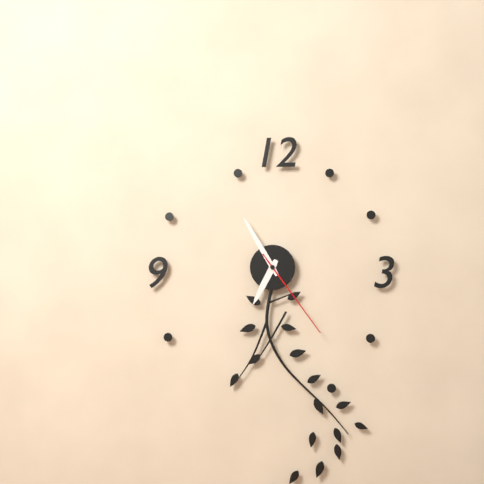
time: **6:55:24**
